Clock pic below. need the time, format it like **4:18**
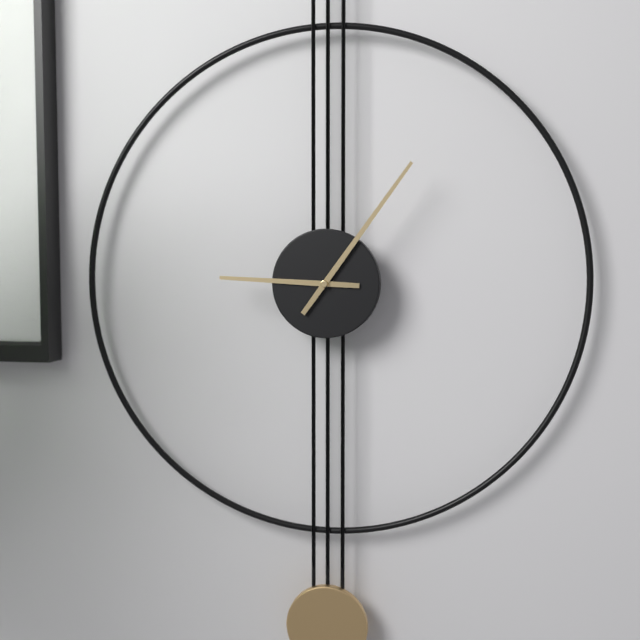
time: **9:06**
